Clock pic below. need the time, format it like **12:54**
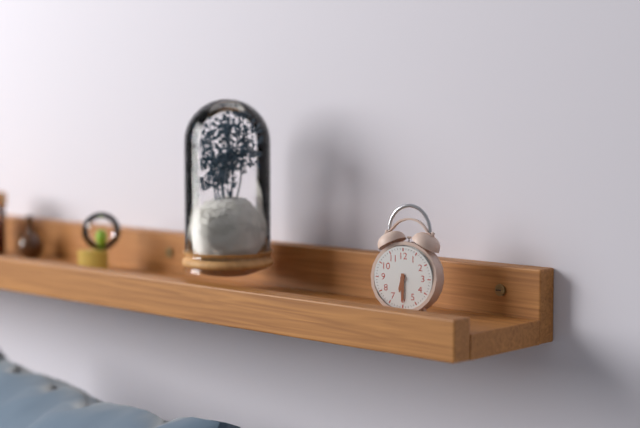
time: **6:30**
